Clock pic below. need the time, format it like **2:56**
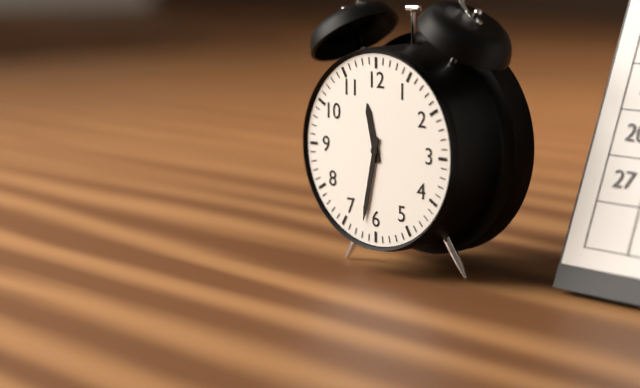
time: **11:32**
